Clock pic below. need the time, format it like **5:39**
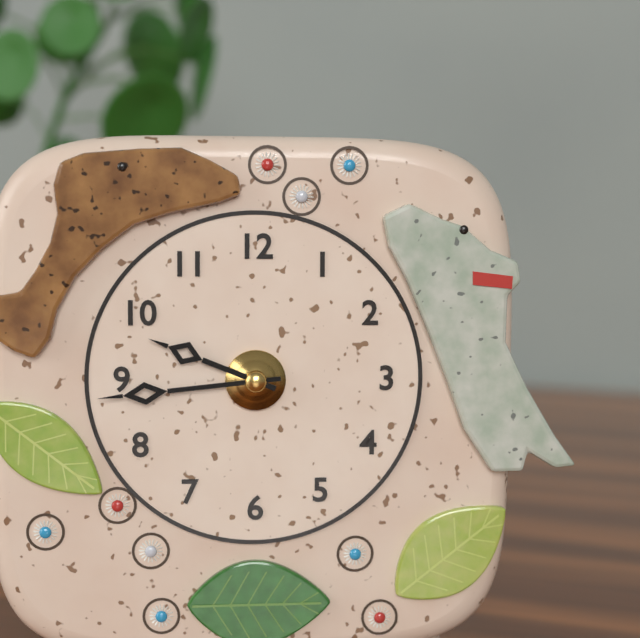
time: **9:44**
